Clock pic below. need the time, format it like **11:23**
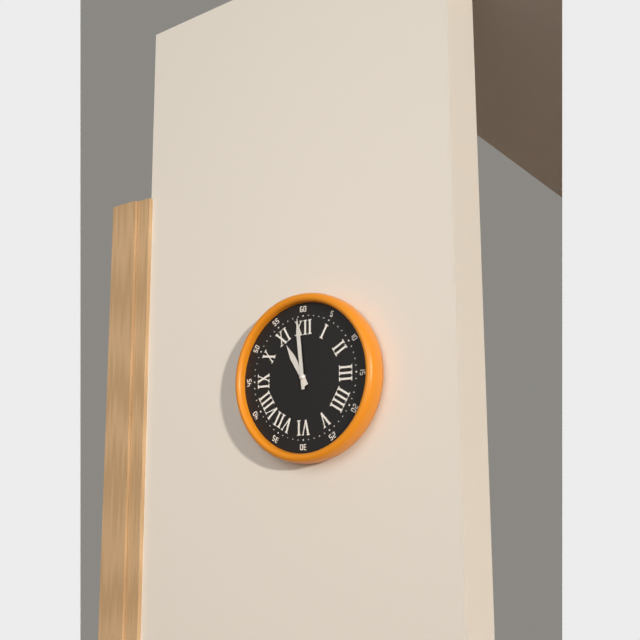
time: **10:59**
